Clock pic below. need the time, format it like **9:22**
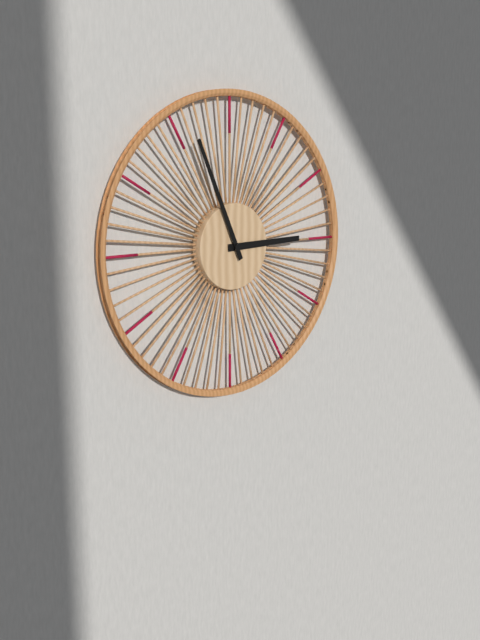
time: **2:56**
